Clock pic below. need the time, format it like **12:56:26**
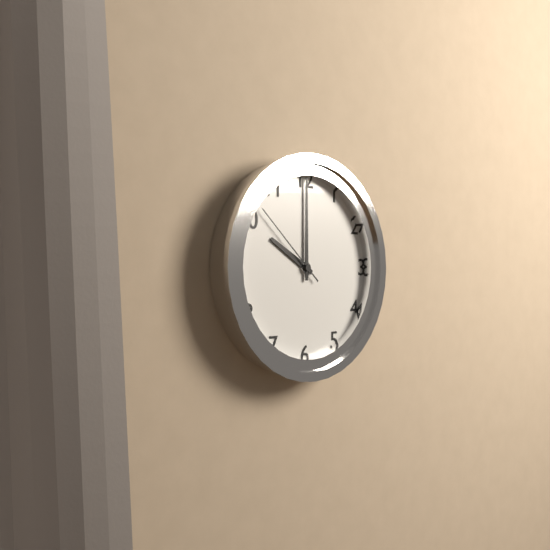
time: **10:00:52**
